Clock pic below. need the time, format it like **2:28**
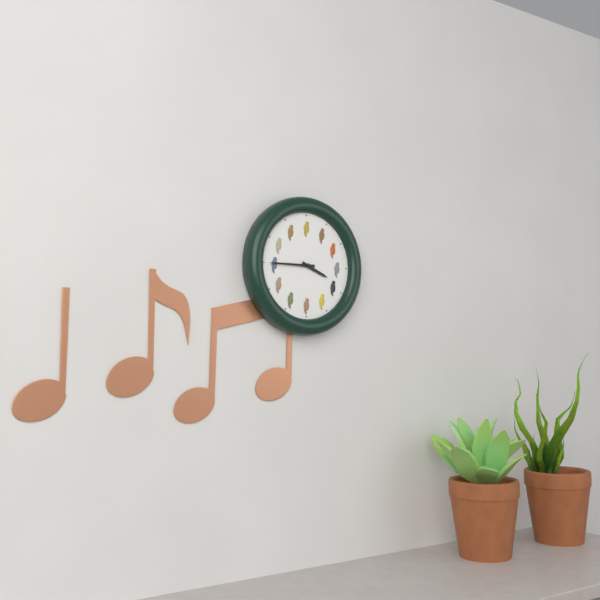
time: **3:45**
